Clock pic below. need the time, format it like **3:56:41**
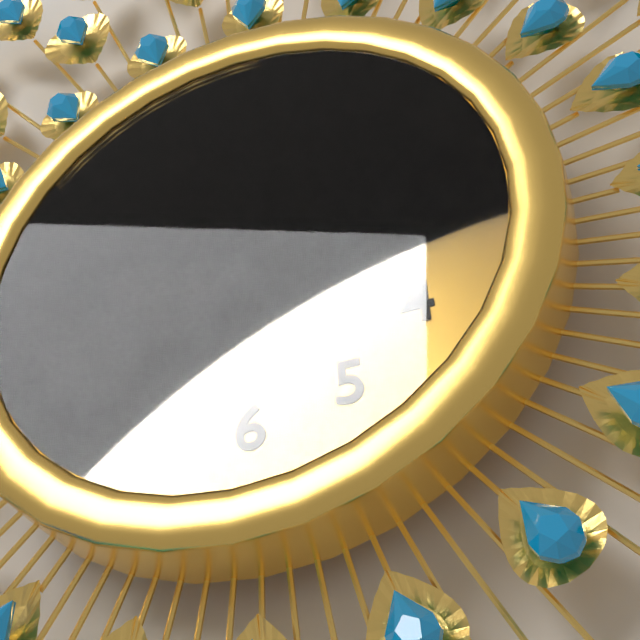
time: **6:59:06**
